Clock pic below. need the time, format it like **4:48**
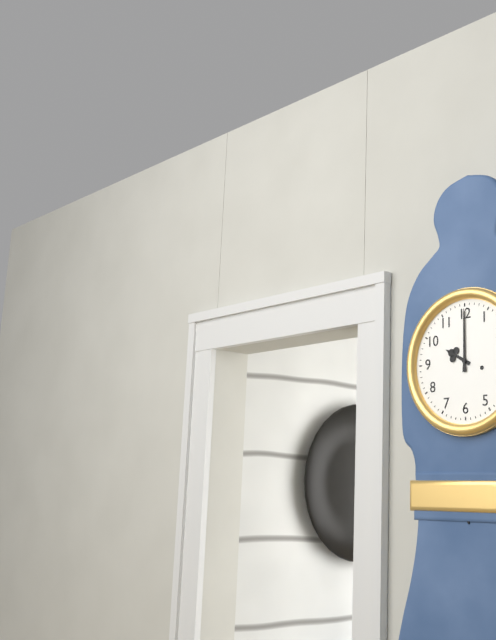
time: **10:00**
